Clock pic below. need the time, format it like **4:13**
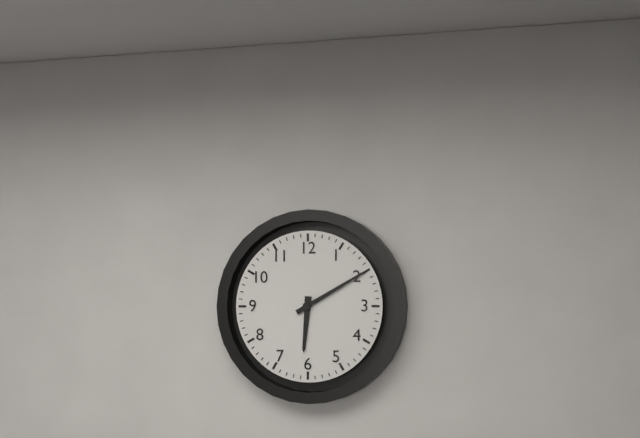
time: **6:10**
